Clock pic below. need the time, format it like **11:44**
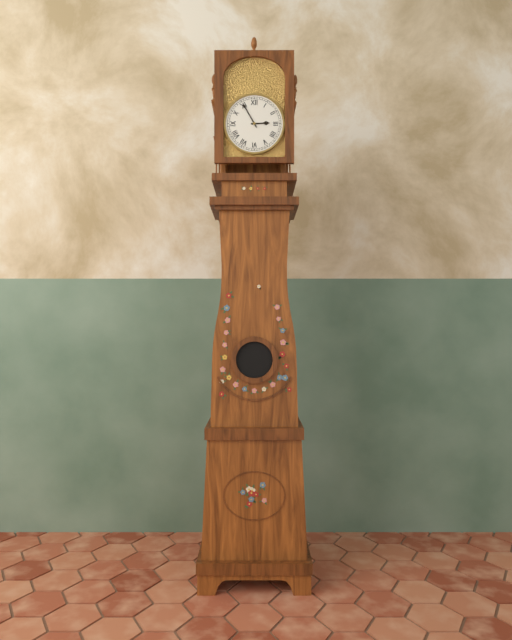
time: **2:55**
